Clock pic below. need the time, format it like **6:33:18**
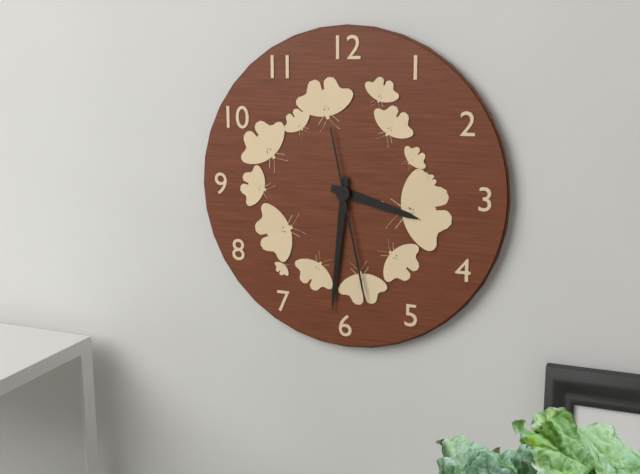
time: **3:31:28**
